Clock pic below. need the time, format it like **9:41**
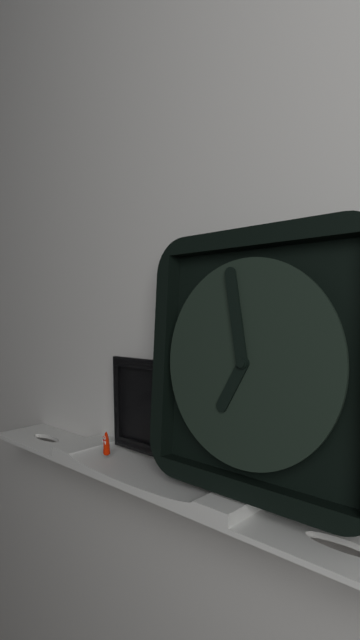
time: **6:58**
